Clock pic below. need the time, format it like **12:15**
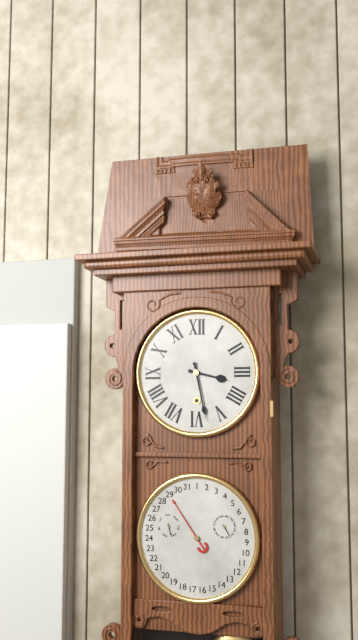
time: **3:28**
